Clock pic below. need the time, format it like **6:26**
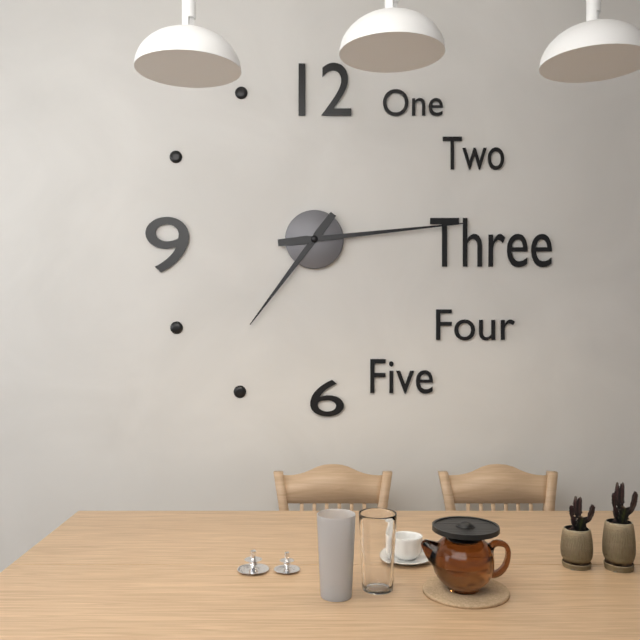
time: **7:14**
